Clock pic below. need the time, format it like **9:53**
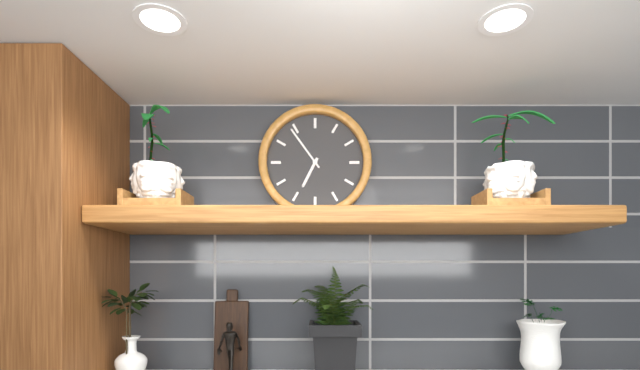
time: **6:54**
